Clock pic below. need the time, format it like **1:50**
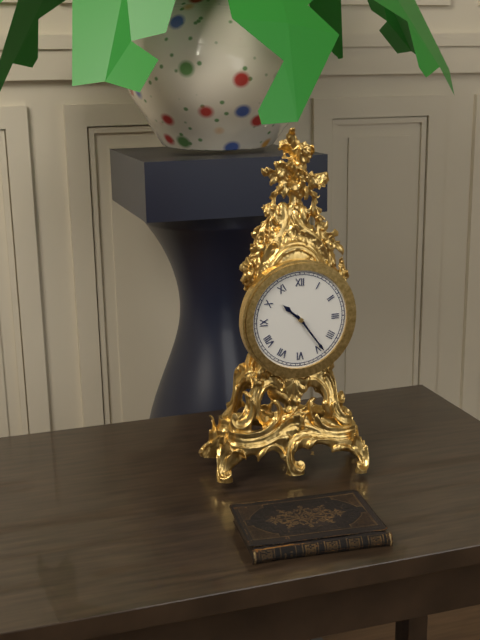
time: **10:24**
